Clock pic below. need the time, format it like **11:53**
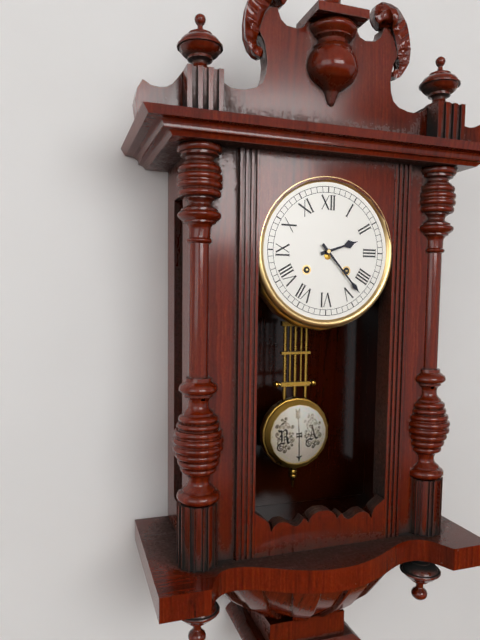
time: **2:23**
